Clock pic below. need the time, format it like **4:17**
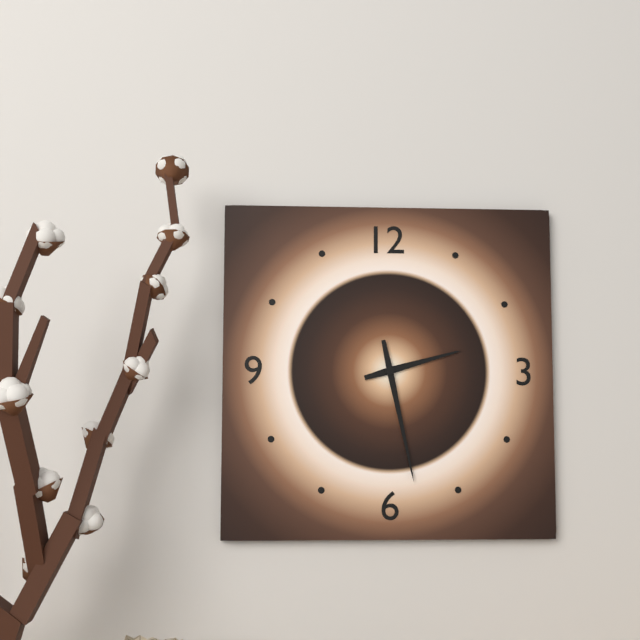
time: **2:28**
